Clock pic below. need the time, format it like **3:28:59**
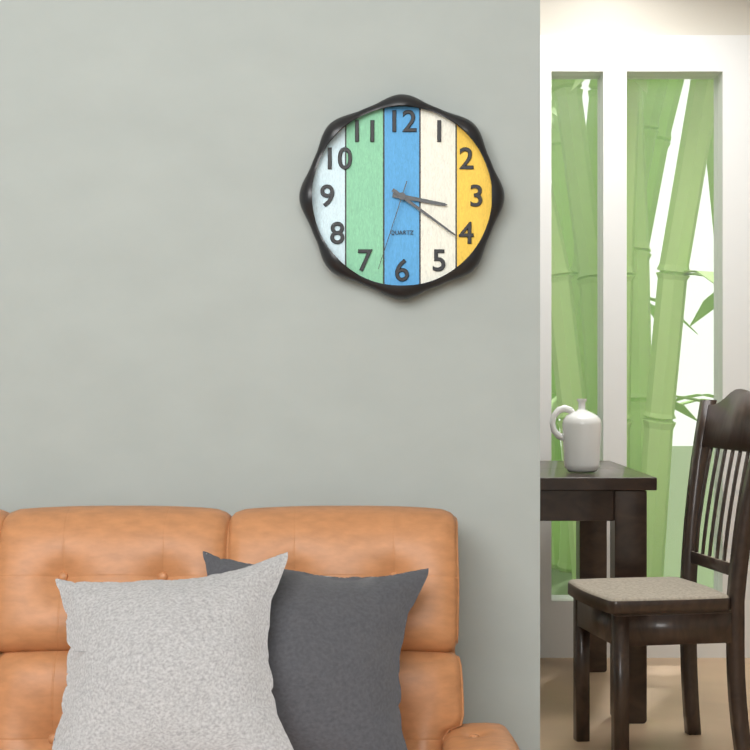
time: **3:21:33**
